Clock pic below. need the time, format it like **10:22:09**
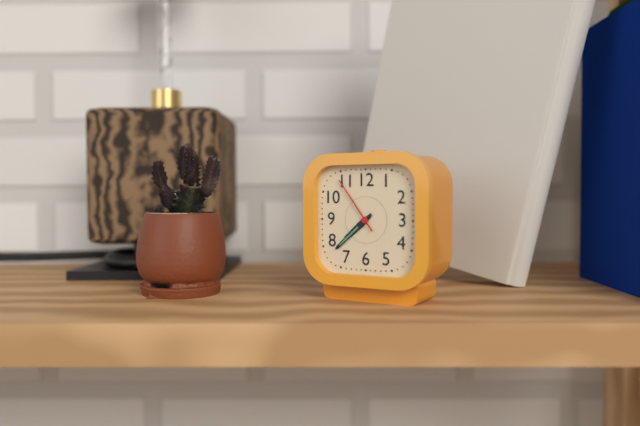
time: **7:38:54**
